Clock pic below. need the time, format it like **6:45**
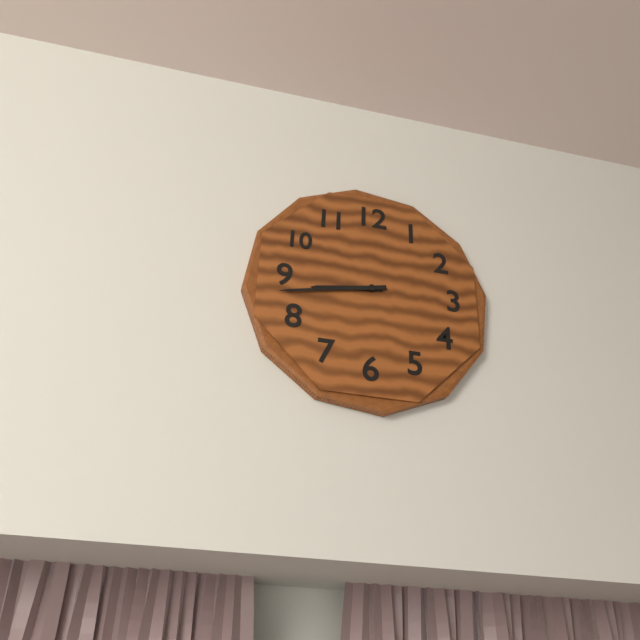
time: **8:43**
